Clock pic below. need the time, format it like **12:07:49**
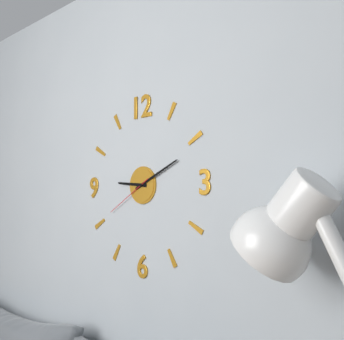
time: **9:11:40**
